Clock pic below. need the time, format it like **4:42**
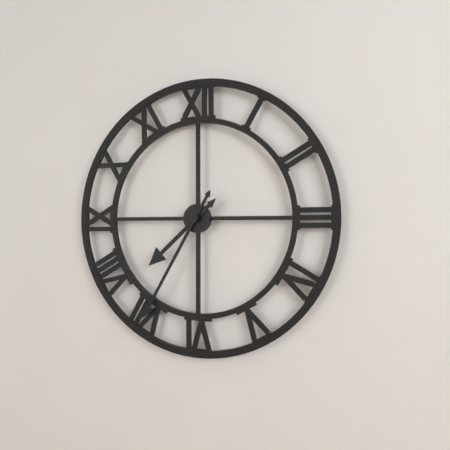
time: **7:35**
